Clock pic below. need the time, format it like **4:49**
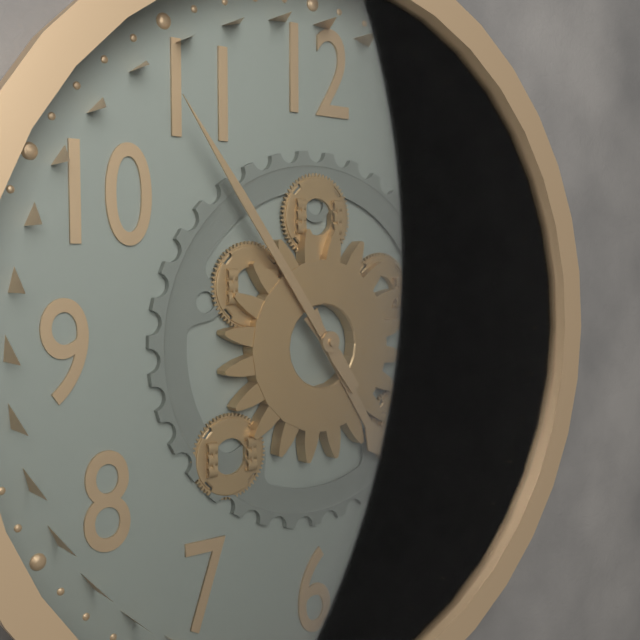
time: **4:54**
